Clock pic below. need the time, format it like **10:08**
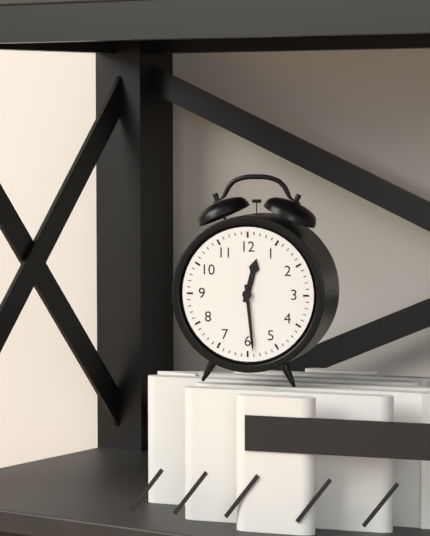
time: **12:29**
